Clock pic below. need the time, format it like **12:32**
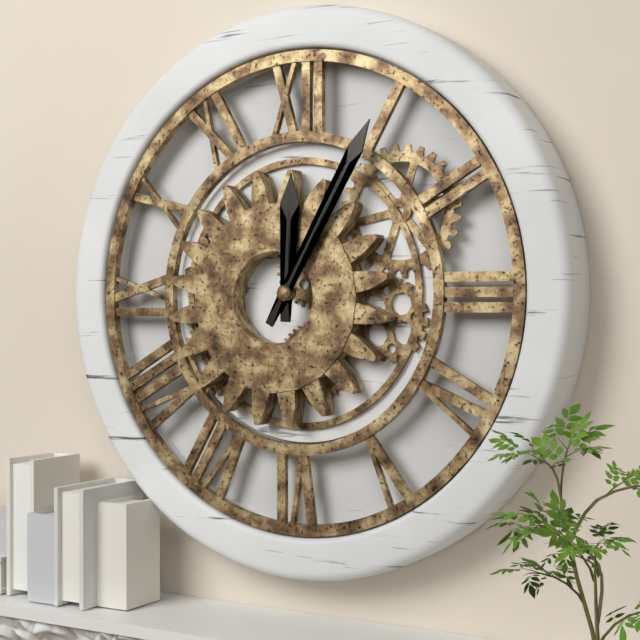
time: **12:05**
